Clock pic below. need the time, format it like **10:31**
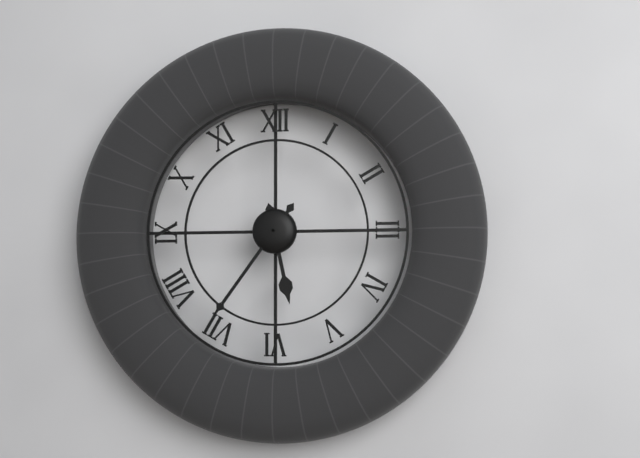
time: **5:36**
